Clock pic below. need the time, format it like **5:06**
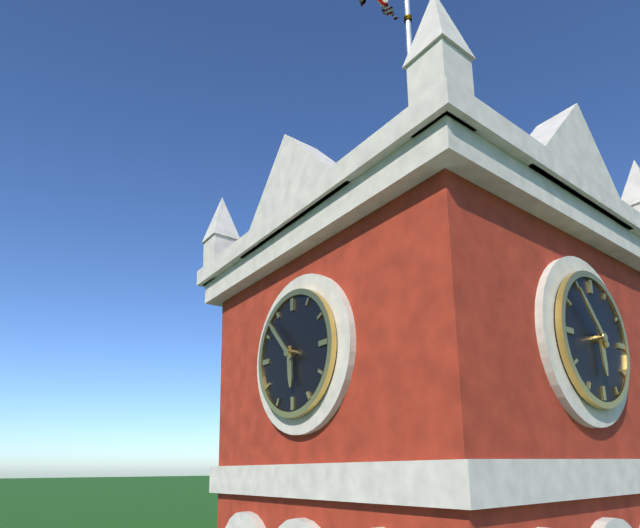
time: **5:53**
